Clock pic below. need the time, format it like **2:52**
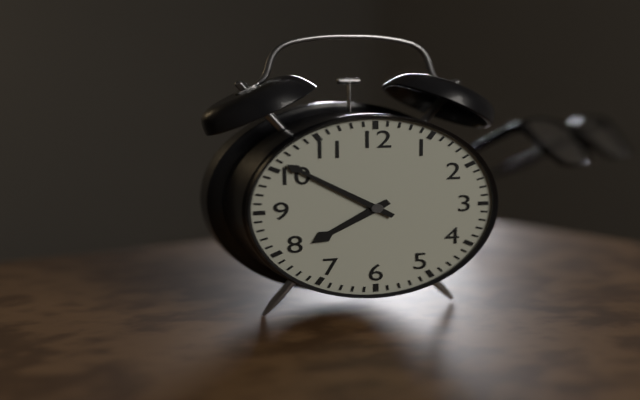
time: **7:51**
